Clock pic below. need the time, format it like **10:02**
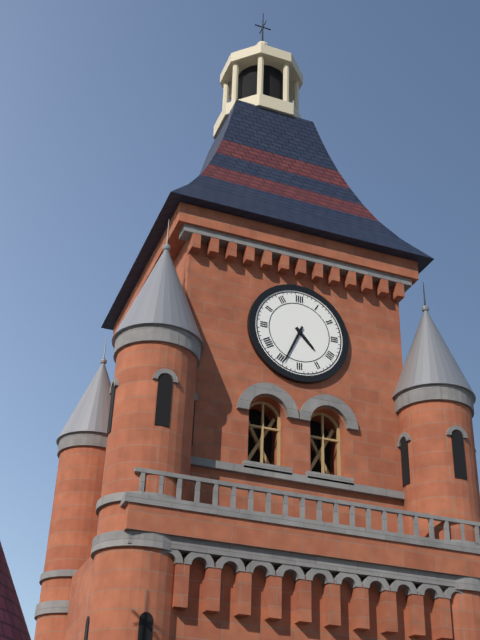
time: **4:34**
